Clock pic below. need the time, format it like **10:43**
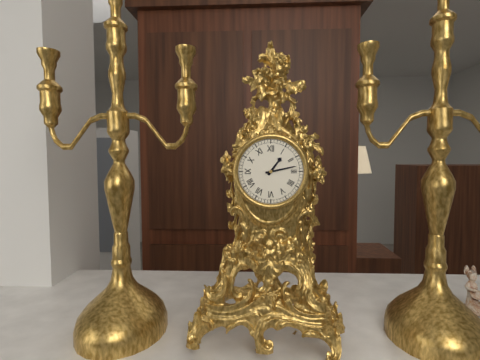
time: **1:13**
